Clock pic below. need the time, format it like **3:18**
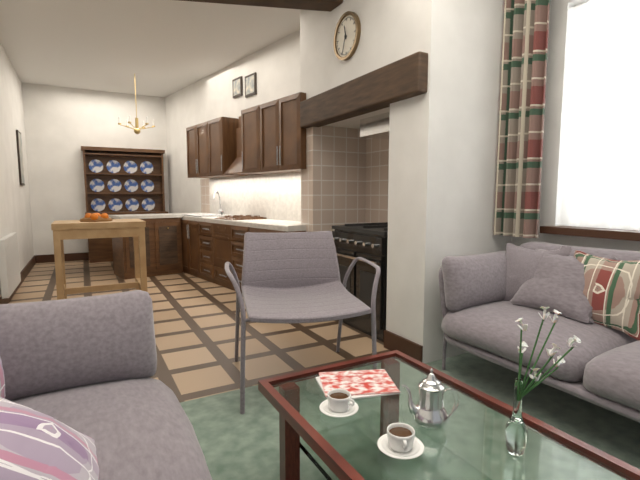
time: **11:33**
